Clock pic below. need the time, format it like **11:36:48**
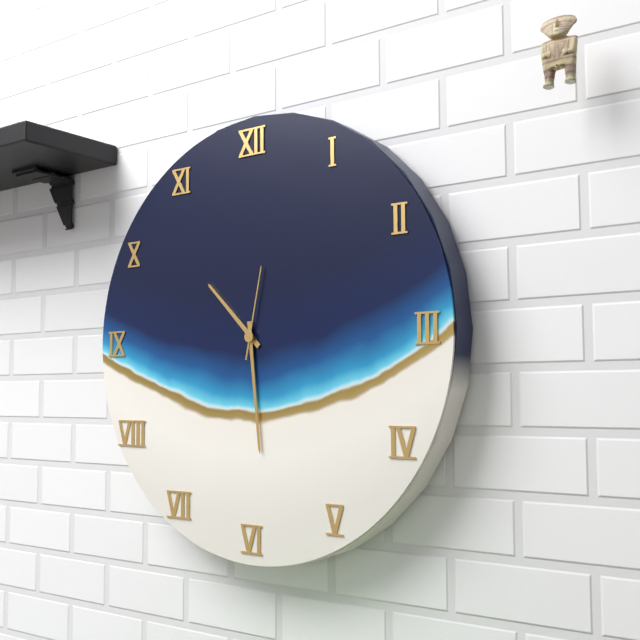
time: **10:29:02**
